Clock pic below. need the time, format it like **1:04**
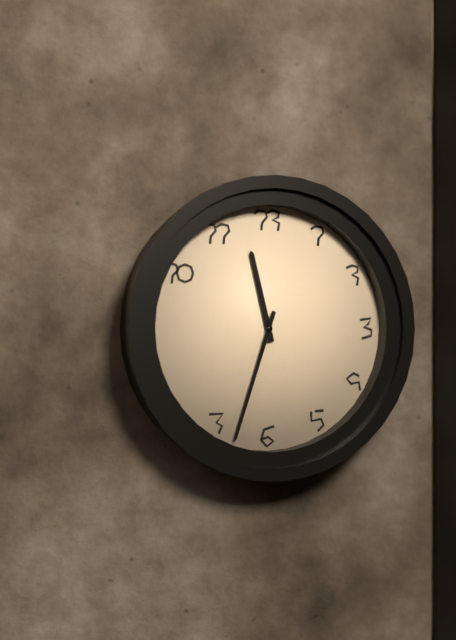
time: **11:33**
